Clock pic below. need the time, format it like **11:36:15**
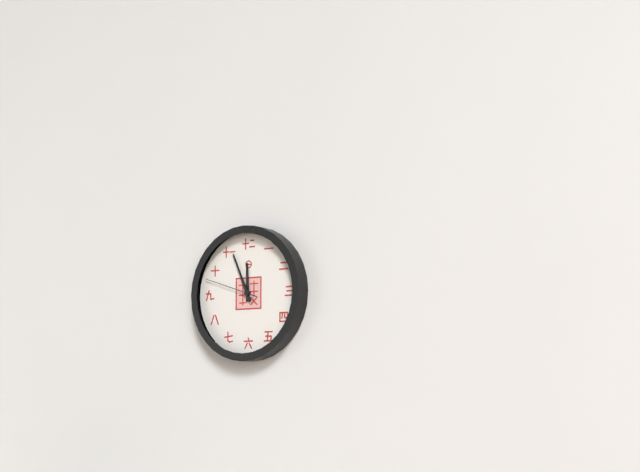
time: **11:56:48**
